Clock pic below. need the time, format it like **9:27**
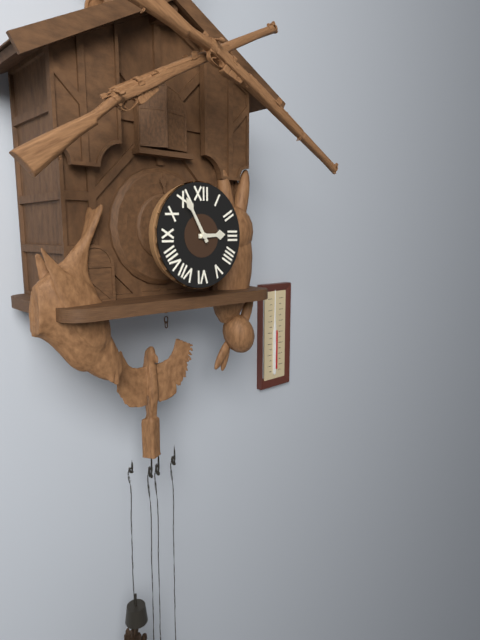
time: **2:55**
